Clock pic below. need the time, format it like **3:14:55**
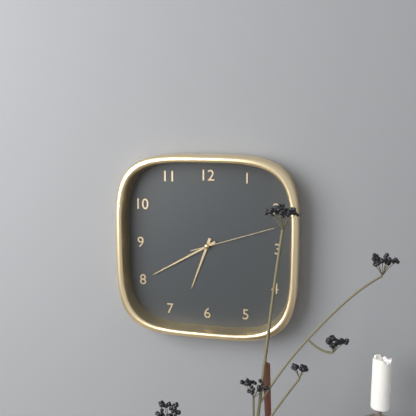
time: **6:40:12**
